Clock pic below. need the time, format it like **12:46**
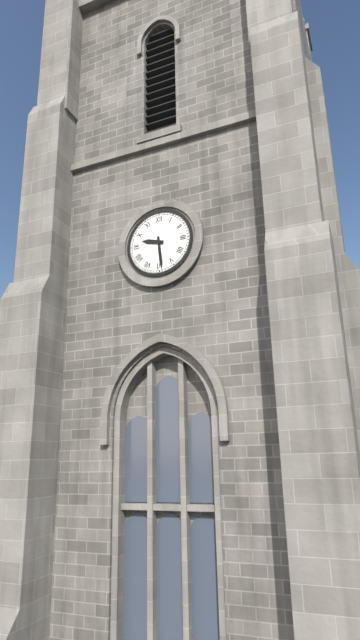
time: **9:29**
